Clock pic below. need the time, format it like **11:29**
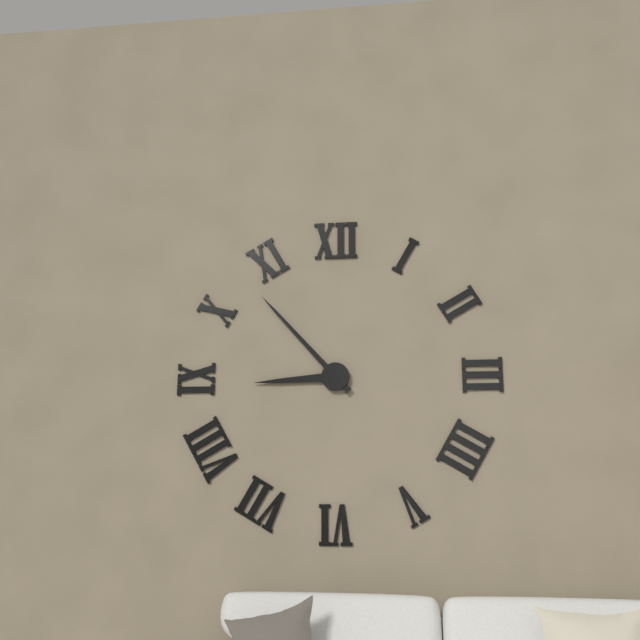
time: **8:53**
